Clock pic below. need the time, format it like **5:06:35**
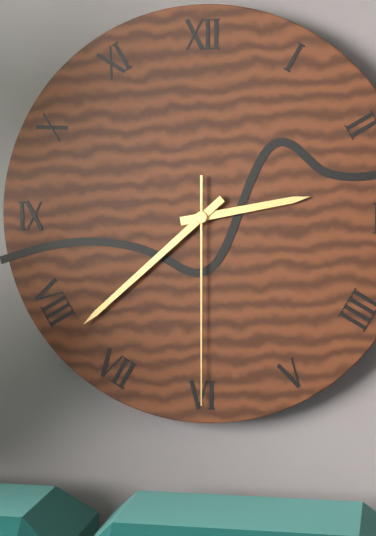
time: **2:38:30**
